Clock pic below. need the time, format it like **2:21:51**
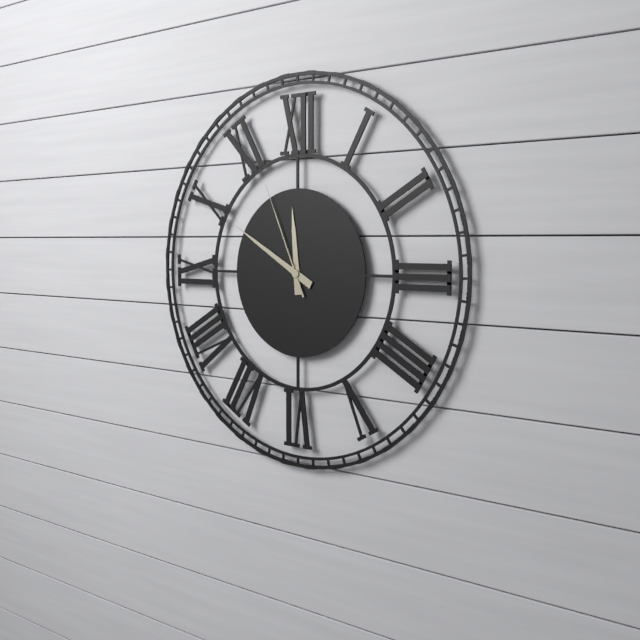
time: **11:50:56**
